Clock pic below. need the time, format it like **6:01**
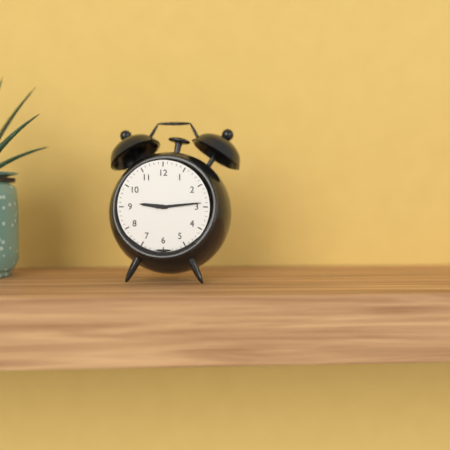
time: **9:14**
